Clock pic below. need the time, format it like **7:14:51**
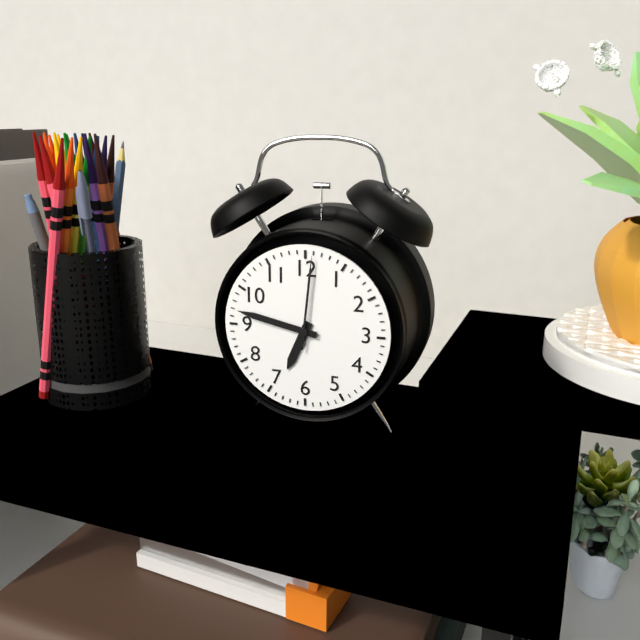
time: **6:47:01**
